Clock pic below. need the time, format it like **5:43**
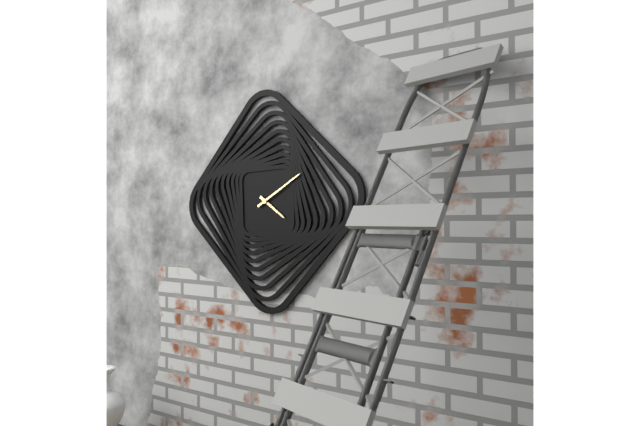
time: **4:10**
